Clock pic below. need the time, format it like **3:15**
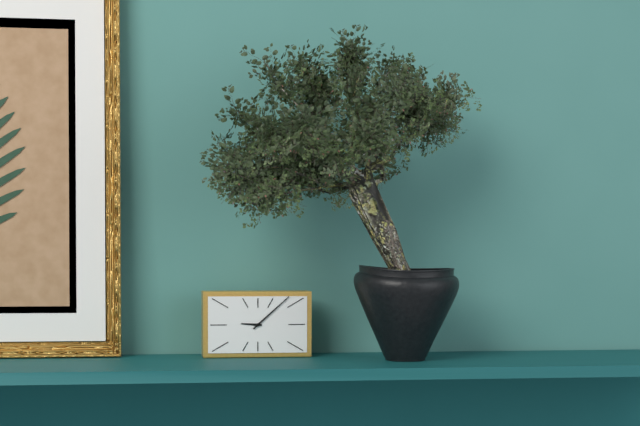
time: **9:08**
